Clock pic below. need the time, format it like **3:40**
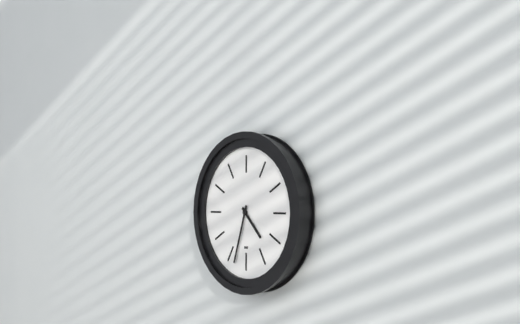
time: **4:33**
